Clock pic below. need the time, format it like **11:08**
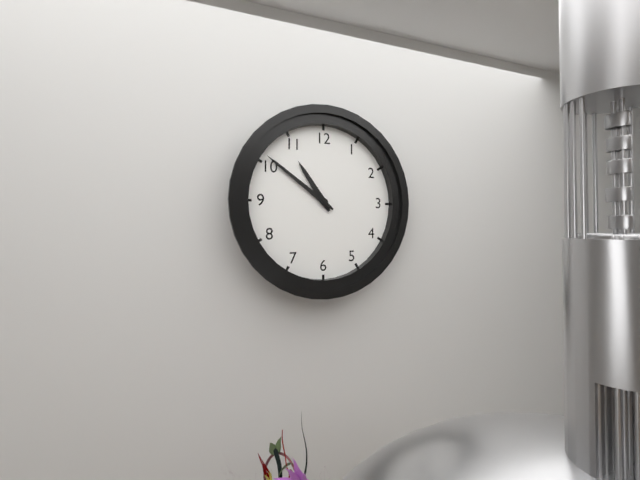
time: **10:51**
